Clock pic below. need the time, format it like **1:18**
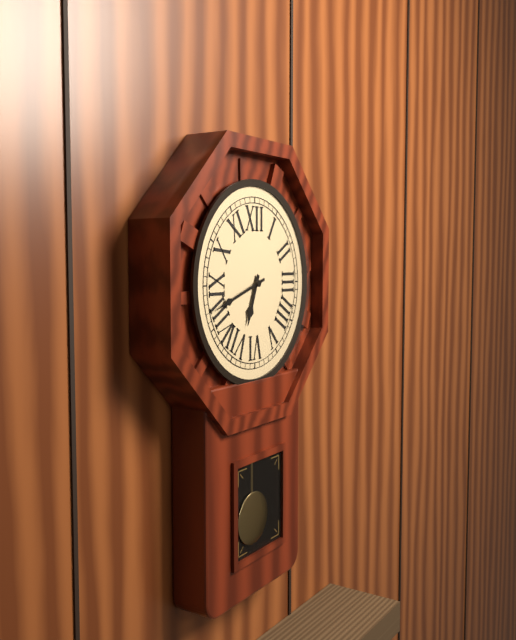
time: **6:42**
